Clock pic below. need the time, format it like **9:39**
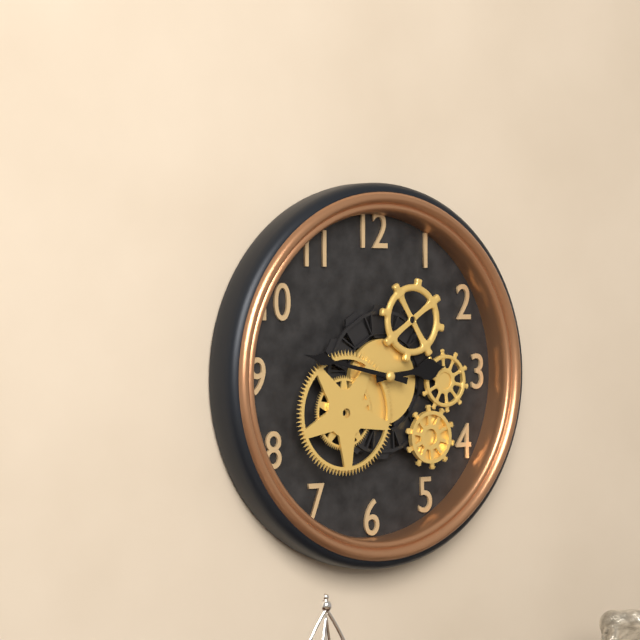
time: **2:47**
